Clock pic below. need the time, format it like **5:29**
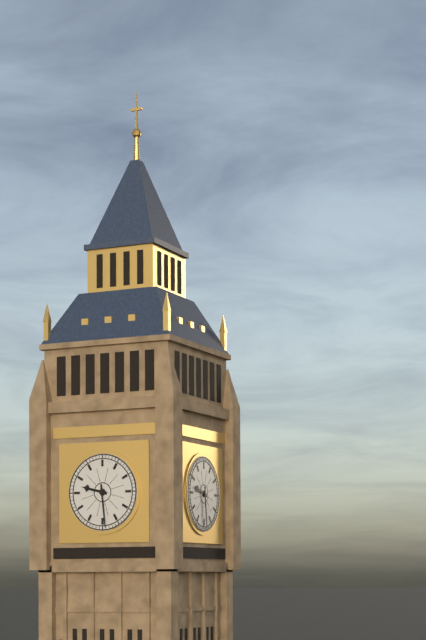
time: **9:29**
